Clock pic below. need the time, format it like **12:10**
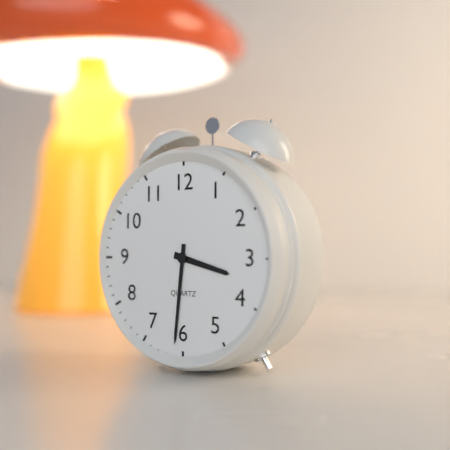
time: **3:31**
